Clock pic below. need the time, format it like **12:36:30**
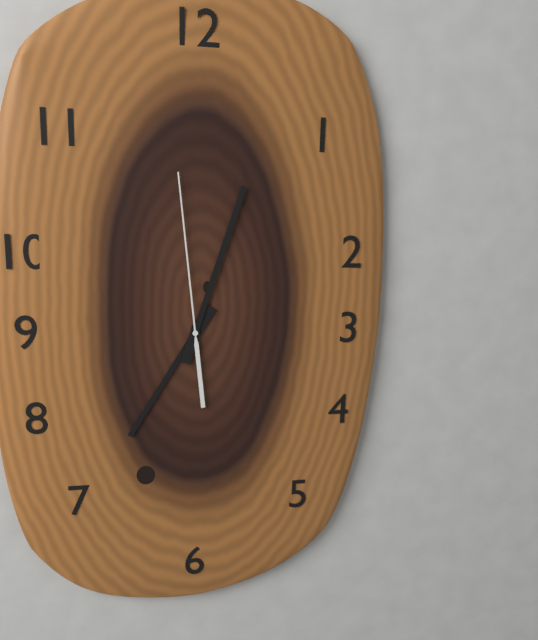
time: **7:03:59**
